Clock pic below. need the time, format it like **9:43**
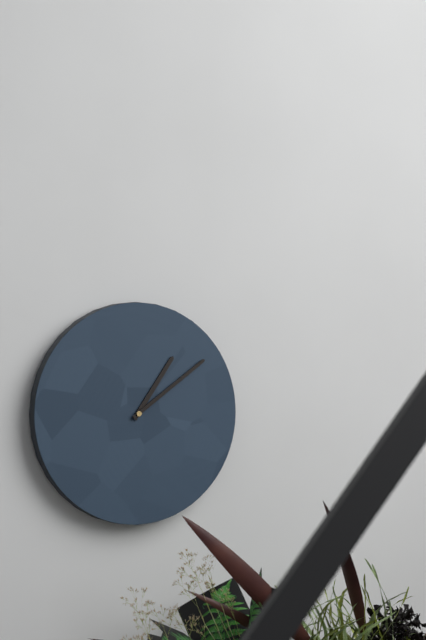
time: **1:09**
